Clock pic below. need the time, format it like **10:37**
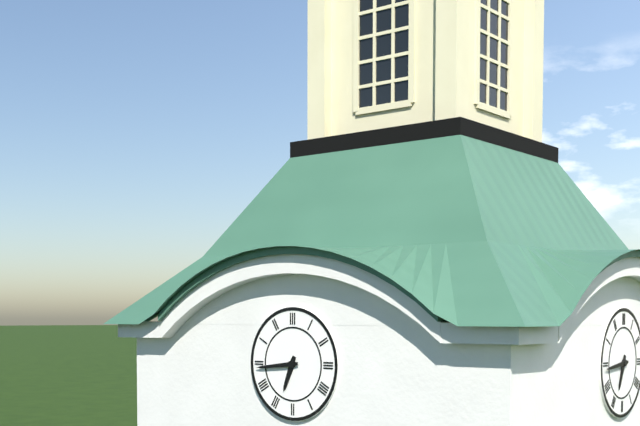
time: **6:44**
